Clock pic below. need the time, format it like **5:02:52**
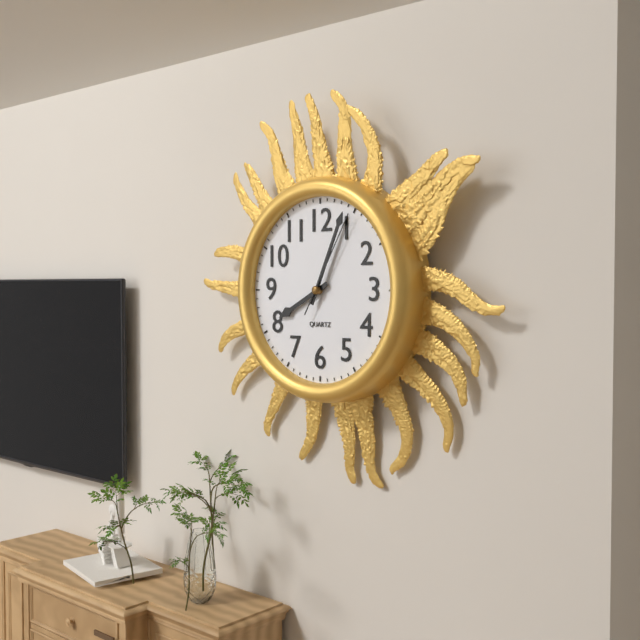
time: **8:04:05**
